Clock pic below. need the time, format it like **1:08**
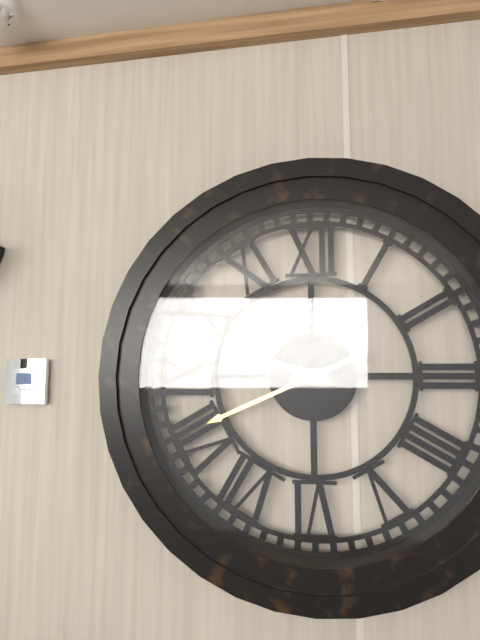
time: **9:41**
